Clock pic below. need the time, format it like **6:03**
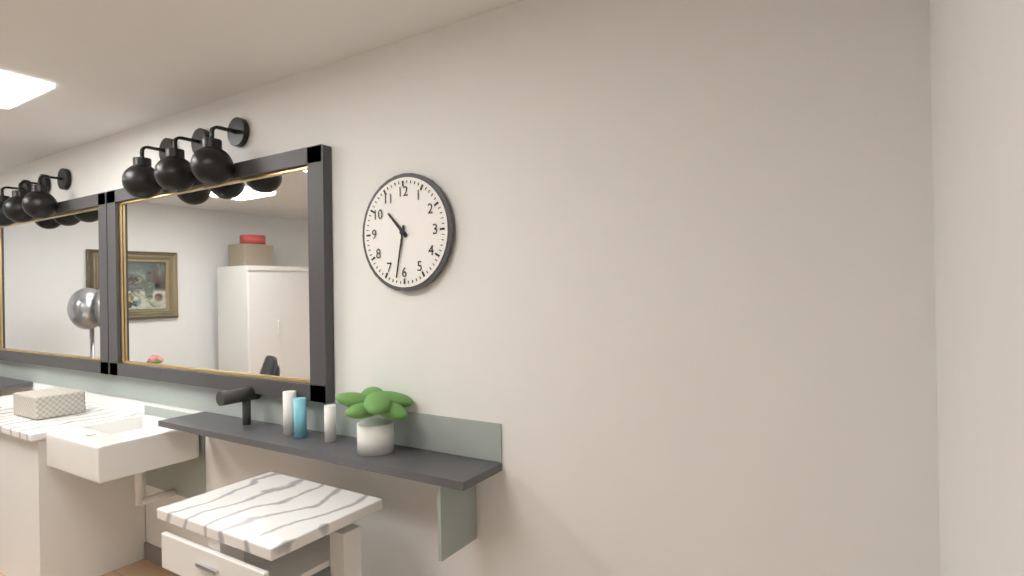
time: **10:32**
